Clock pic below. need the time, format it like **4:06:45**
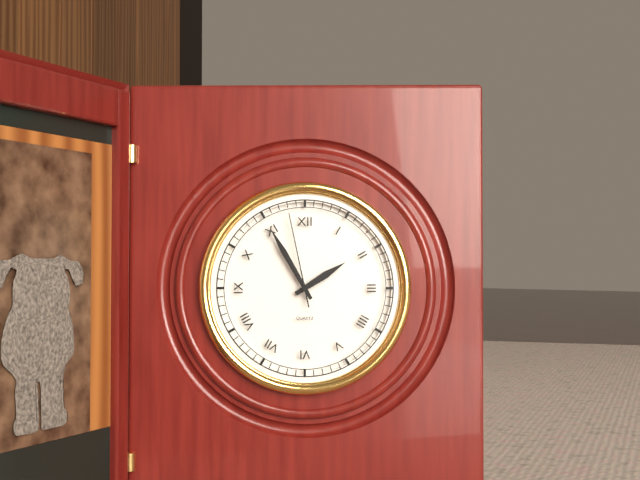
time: **1:55:58**
